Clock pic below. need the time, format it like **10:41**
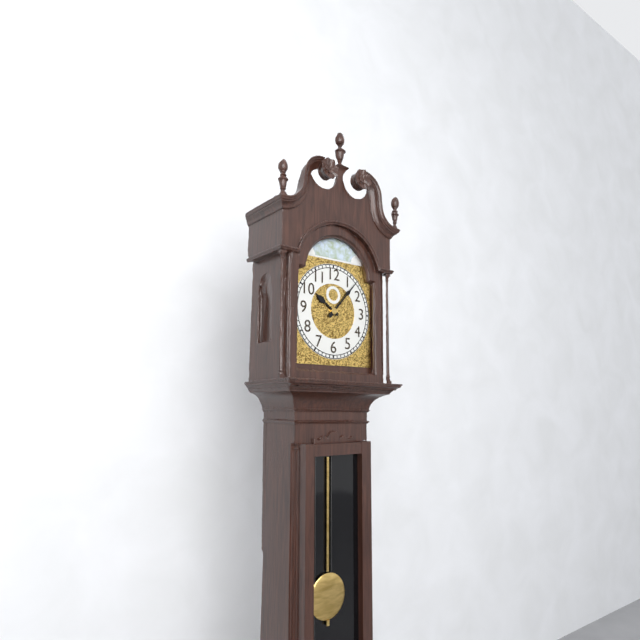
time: **10:07**
